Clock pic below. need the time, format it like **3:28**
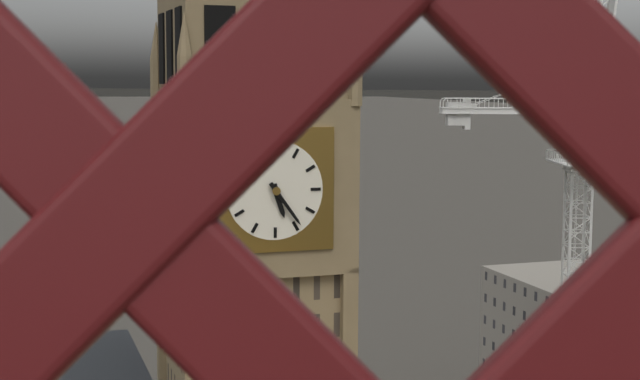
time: **5:24**
